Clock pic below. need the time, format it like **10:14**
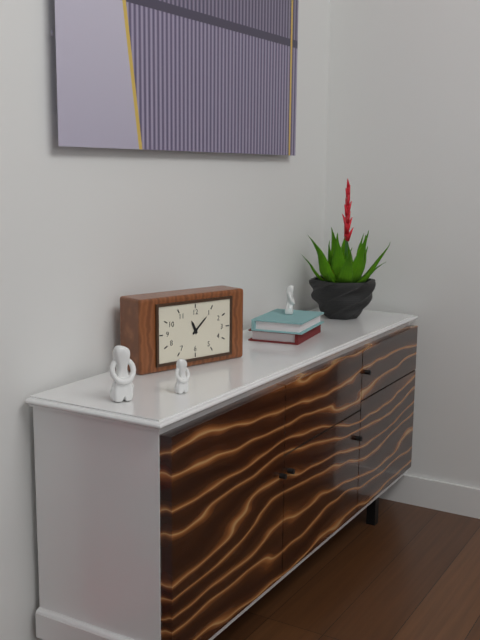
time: **11:08**
